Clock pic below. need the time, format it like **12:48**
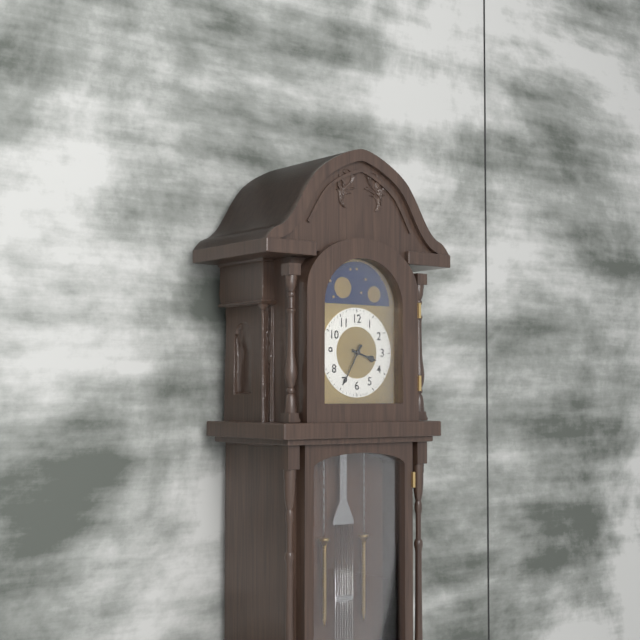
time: **3:35**
